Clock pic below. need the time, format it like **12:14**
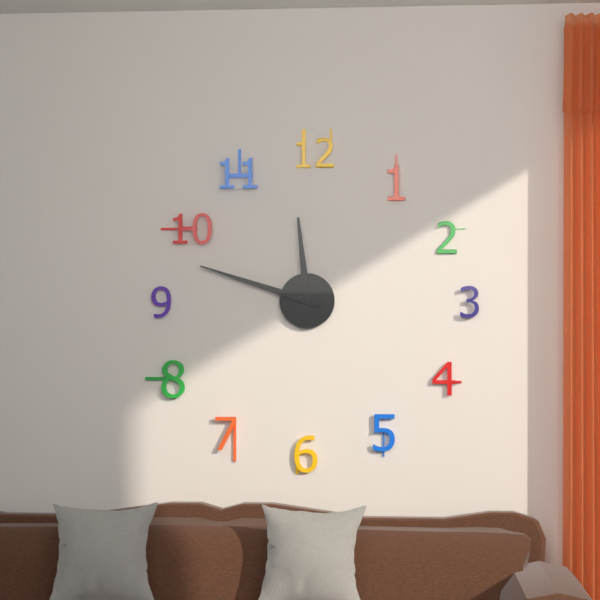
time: **11:48**
